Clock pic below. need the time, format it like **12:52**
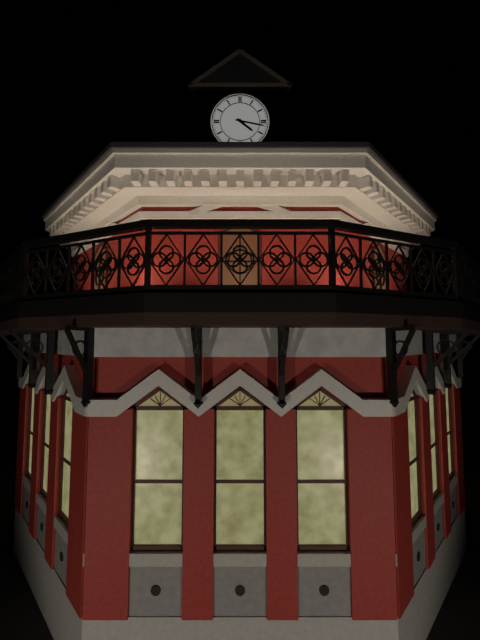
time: **4:17**
